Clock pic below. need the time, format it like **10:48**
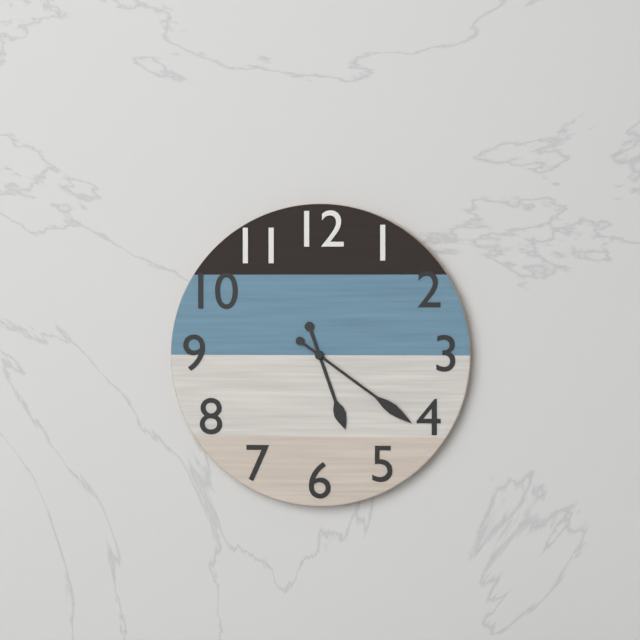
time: **5:21**
